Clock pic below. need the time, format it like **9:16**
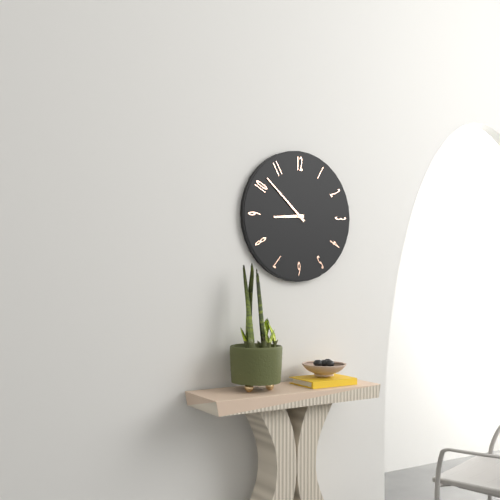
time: **8:52**
